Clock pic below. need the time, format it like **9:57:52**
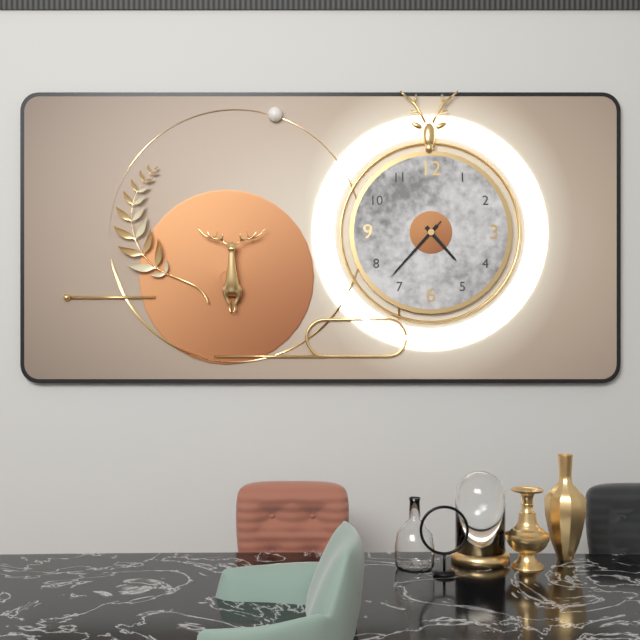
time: **4:37:37**
